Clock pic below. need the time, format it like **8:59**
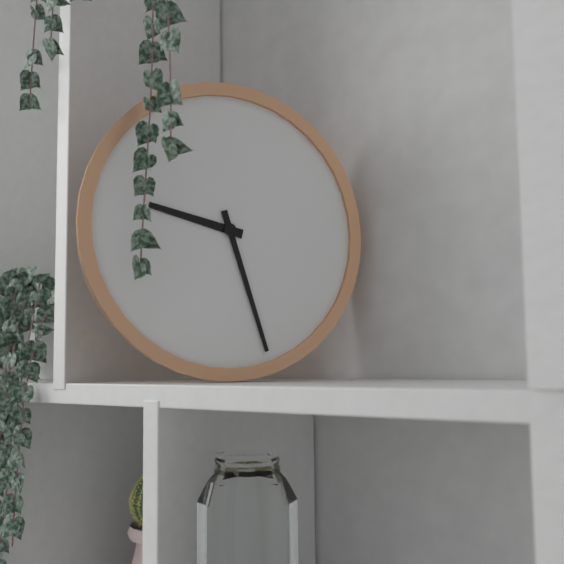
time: **9:27**
